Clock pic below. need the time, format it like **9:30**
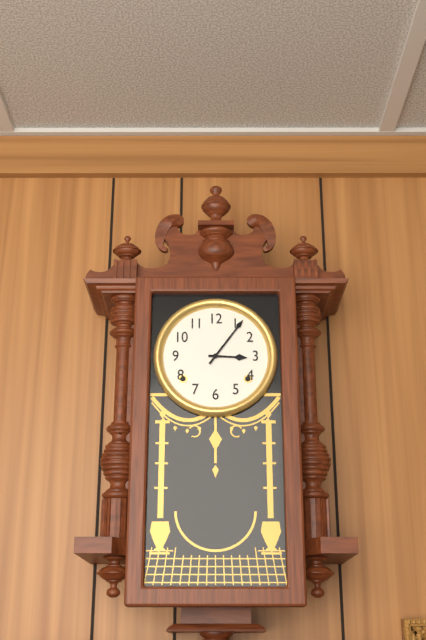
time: **3:06**
